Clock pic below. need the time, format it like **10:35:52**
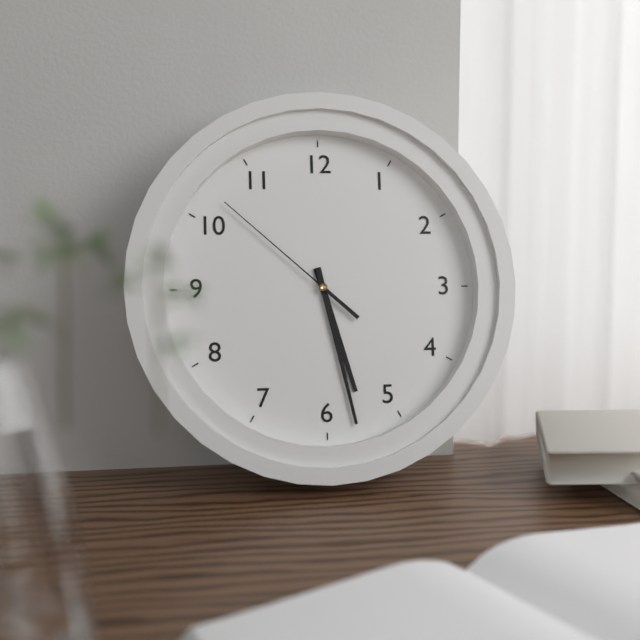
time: **5:28:52**
